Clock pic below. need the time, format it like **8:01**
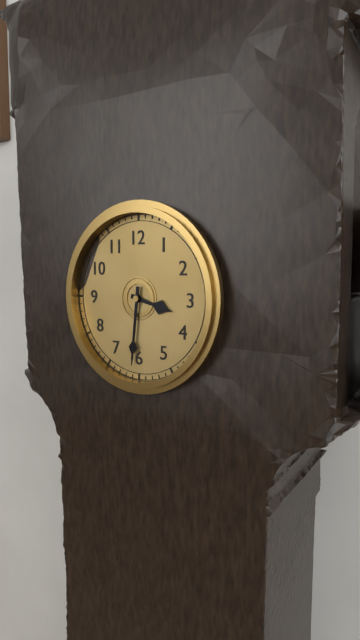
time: **3:31**
